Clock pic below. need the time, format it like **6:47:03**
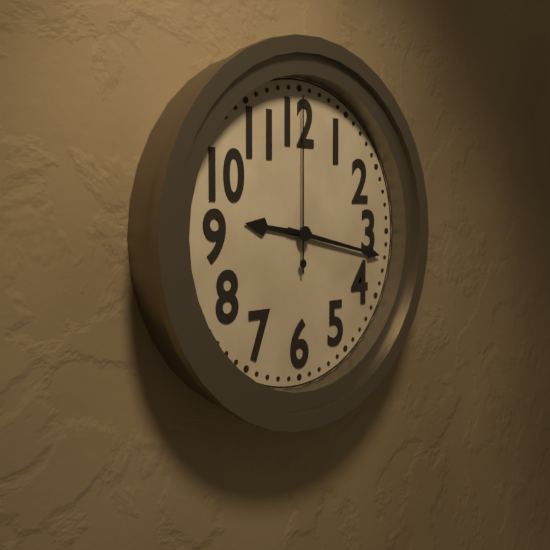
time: **9:17:00**
